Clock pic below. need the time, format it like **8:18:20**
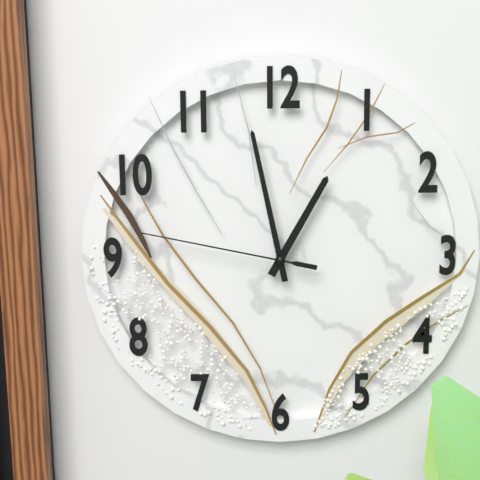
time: **12:58:47**
